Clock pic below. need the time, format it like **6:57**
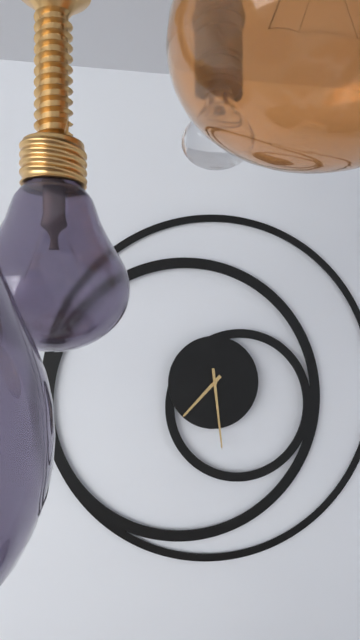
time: **7:29**
